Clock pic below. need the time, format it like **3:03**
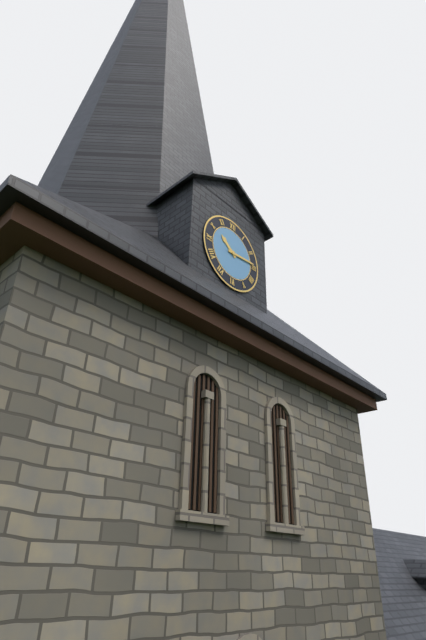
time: **10:14**
